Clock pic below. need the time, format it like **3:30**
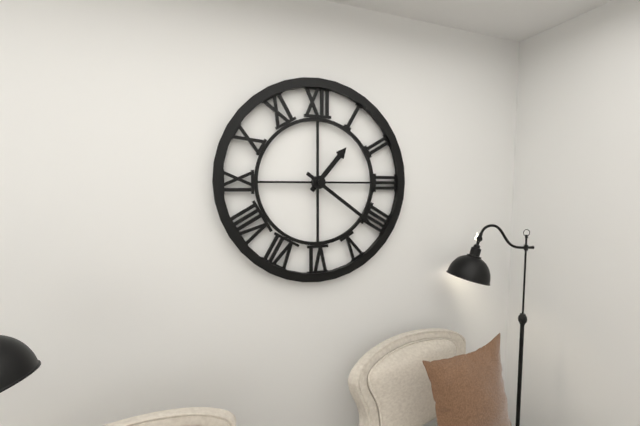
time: **1:21**
